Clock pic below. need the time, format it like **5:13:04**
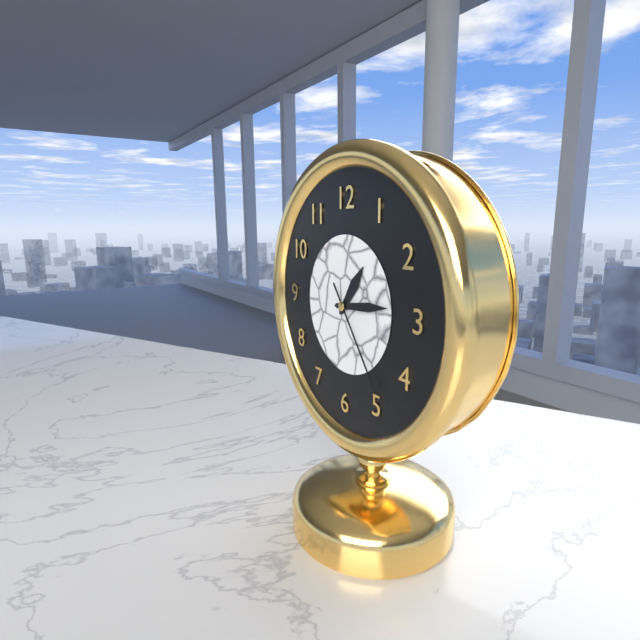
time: **1:14:24**
